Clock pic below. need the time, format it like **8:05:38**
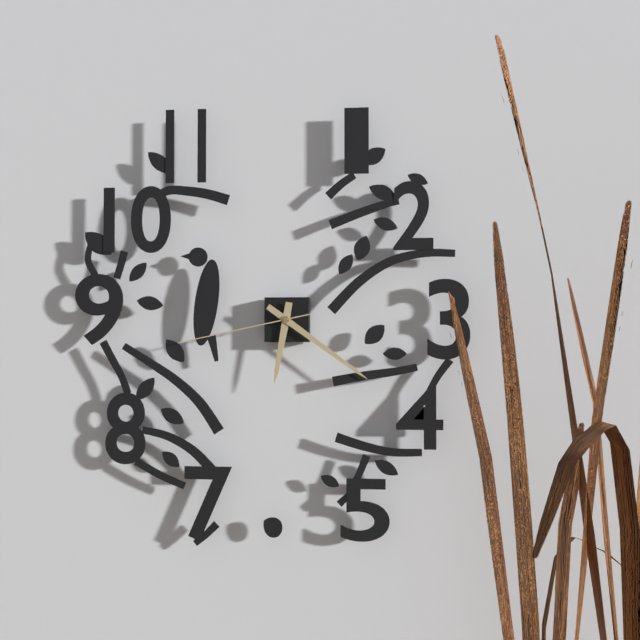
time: **6:21:43**
